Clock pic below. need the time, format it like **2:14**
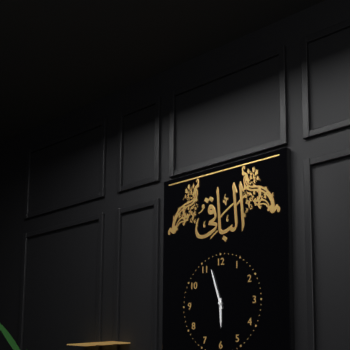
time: **5:57**
